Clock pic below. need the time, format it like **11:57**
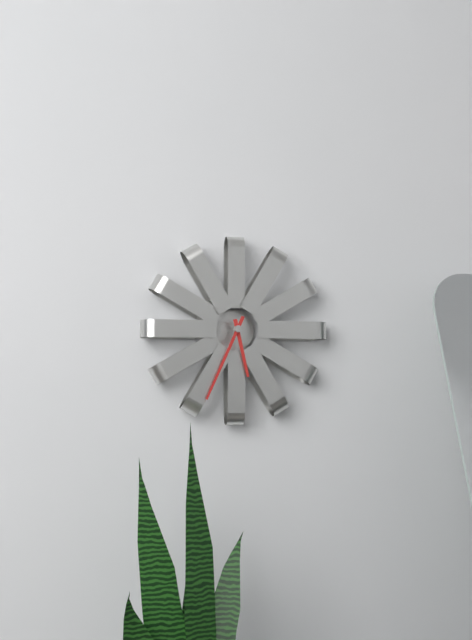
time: **5:34**
